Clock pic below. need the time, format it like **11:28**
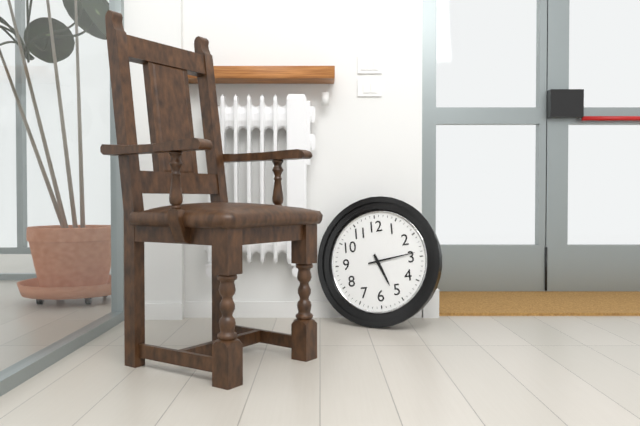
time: **5:14**
